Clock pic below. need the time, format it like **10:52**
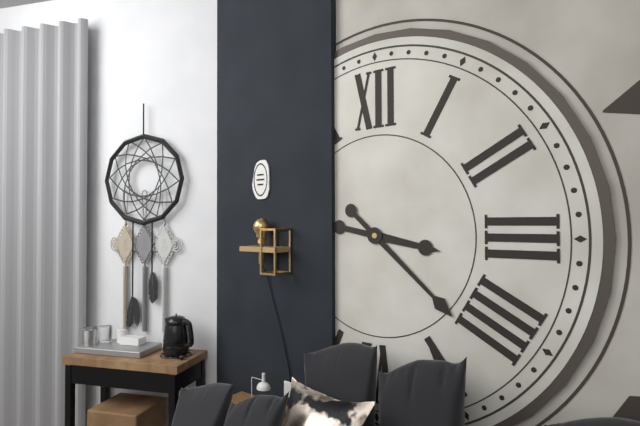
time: **3:22**
